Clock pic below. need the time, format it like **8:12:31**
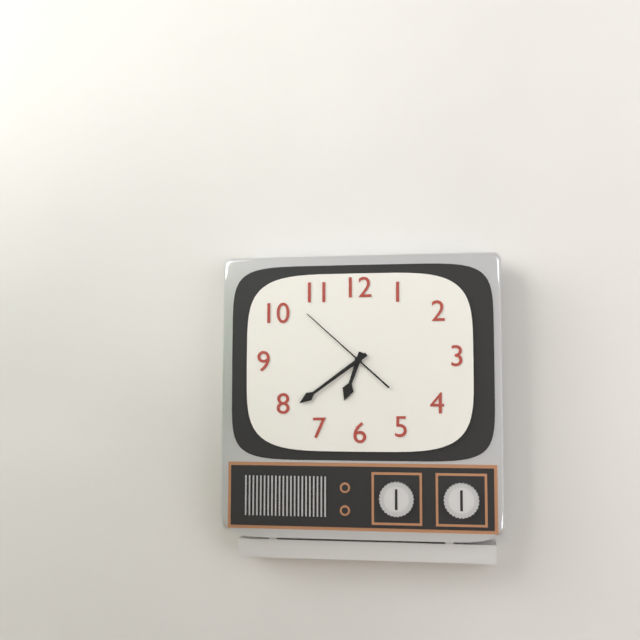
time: **6:39:52**
